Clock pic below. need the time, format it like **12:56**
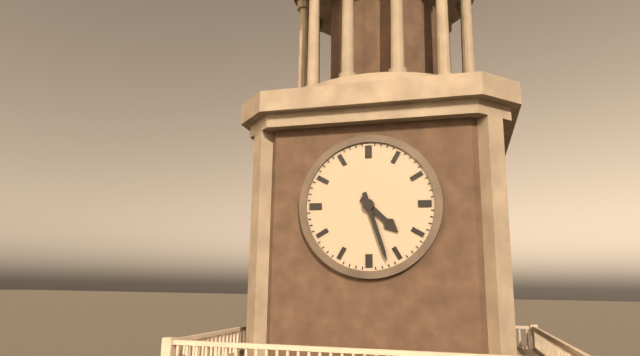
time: **4:27**
